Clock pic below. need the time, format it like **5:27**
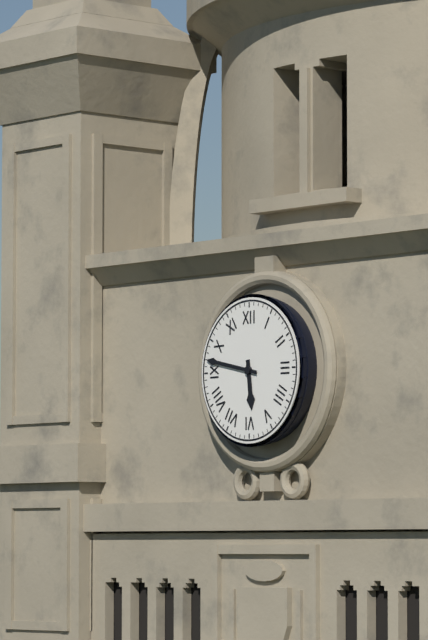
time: **5:47**
